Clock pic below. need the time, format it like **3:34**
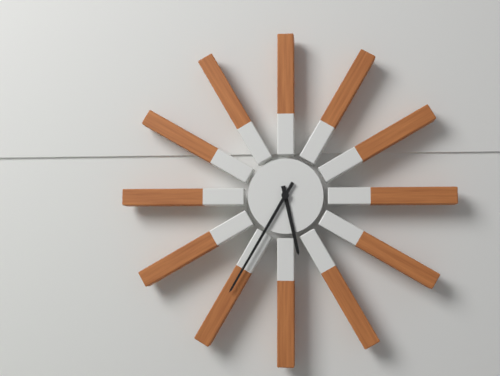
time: **5:35**
